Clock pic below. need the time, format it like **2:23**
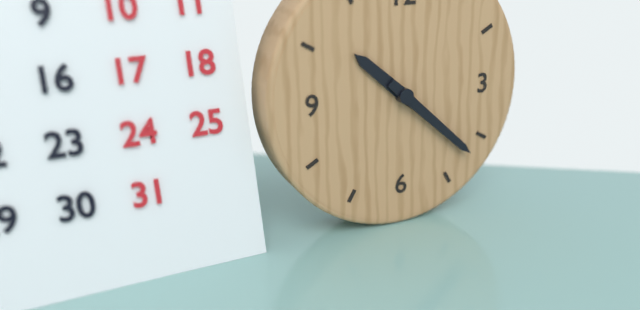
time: **10:22**
